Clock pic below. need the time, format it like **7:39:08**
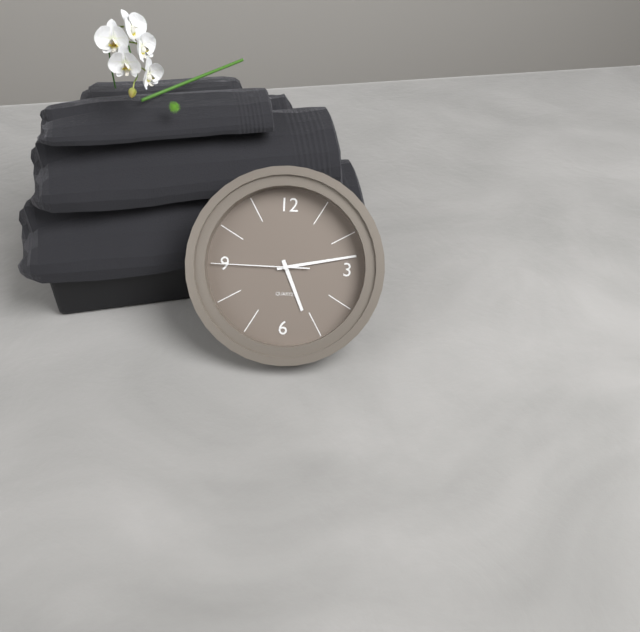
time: **5:13:45**
